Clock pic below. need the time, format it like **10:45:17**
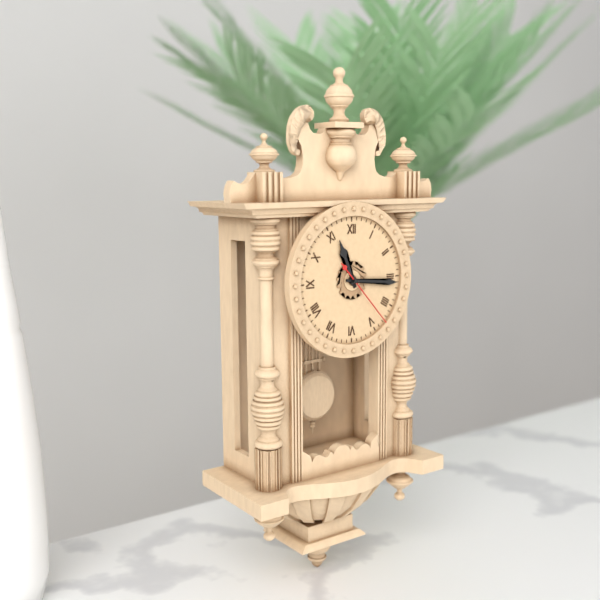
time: **11:16:23**
